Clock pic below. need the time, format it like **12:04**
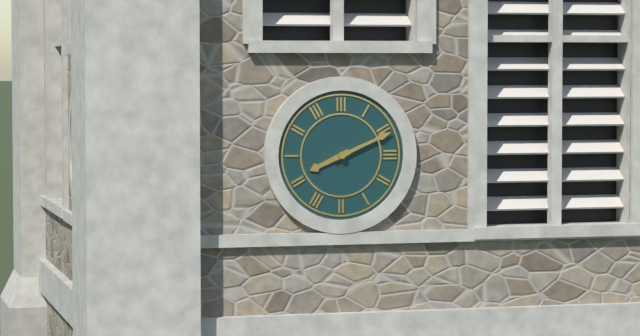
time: **8:11**
